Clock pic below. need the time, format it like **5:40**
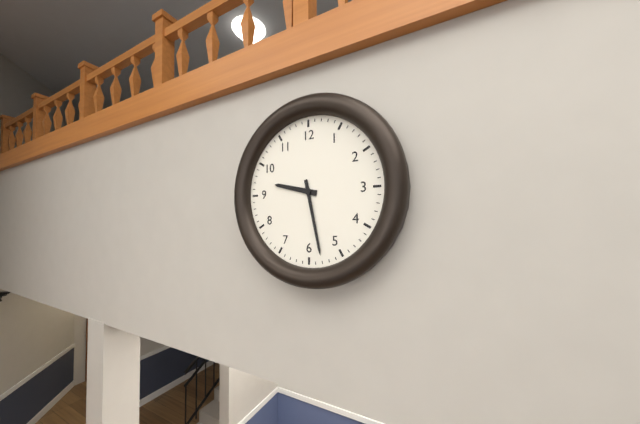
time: **9:28**
